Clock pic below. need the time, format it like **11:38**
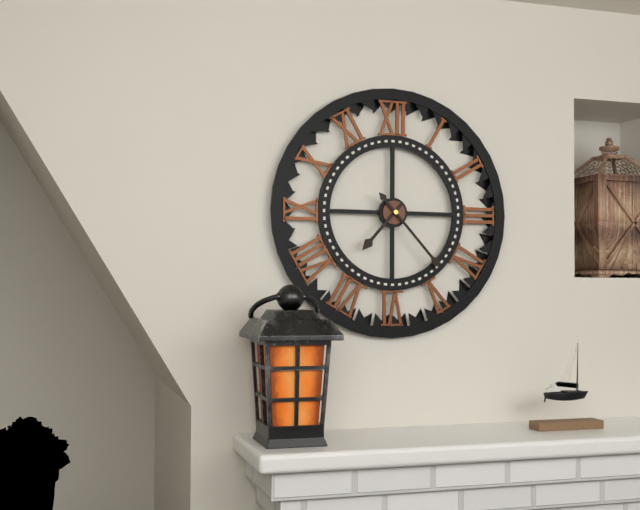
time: **7:23**
